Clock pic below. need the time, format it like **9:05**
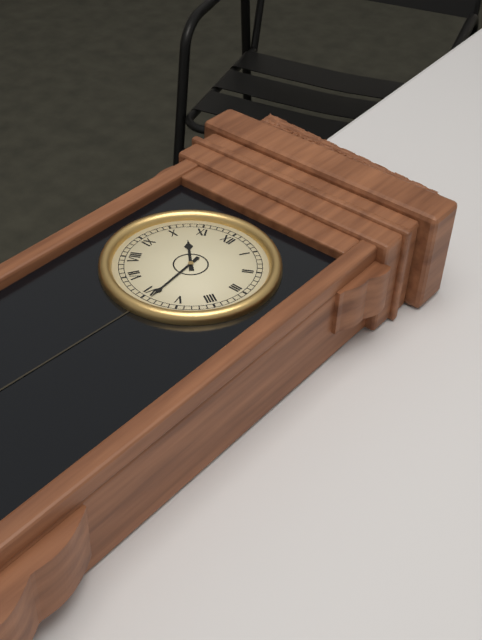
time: **10:29**
